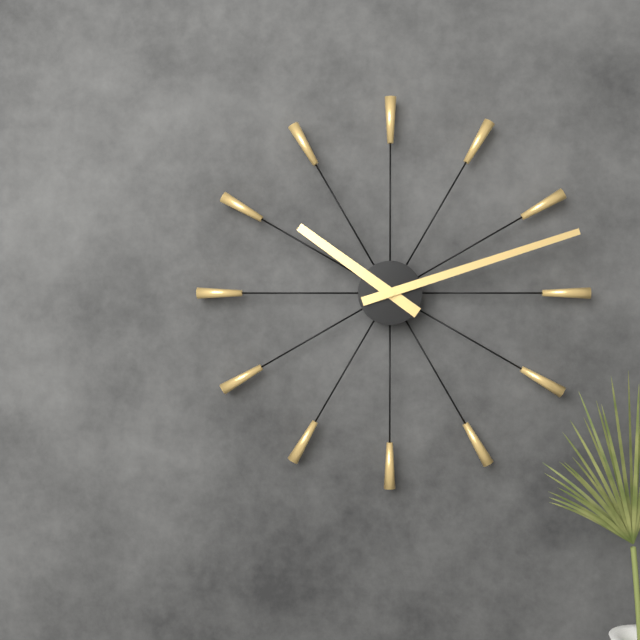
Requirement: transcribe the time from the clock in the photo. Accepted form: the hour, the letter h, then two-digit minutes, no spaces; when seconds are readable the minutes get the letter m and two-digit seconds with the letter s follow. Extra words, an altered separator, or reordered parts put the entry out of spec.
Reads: 10h12
